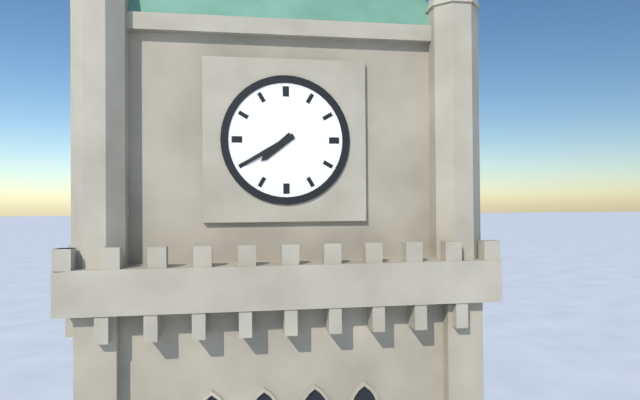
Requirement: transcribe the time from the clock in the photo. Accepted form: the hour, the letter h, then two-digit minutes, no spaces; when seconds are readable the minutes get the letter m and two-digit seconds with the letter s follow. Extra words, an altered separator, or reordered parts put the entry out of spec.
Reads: 7h40
